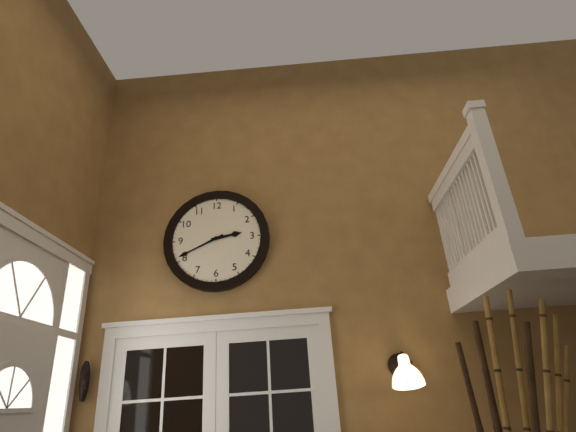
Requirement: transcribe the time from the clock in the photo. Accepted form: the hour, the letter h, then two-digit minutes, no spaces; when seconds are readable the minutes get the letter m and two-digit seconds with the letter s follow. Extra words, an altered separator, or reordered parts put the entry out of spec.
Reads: 2h41
